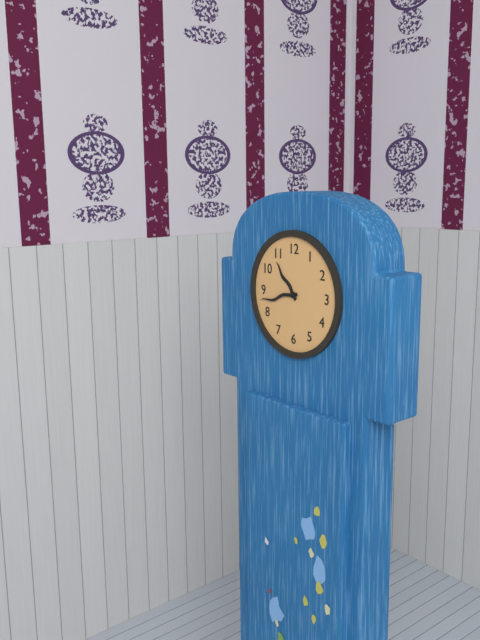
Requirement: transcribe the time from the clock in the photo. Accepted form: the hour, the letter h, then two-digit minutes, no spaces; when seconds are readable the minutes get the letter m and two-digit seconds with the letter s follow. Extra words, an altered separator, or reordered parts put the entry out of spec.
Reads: 10h43
